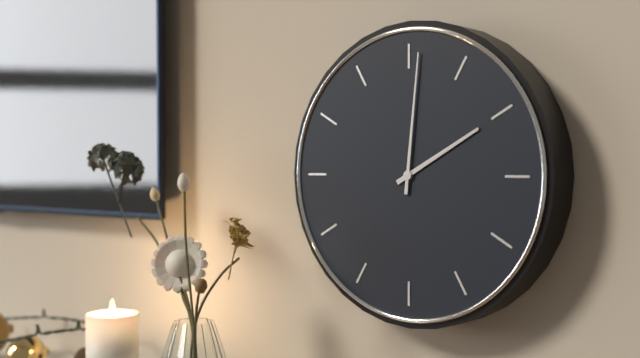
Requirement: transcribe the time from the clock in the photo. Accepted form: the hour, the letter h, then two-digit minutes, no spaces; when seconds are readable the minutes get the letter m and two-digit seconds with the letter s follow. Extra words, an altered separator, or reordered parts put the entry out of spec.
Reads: 2h01
